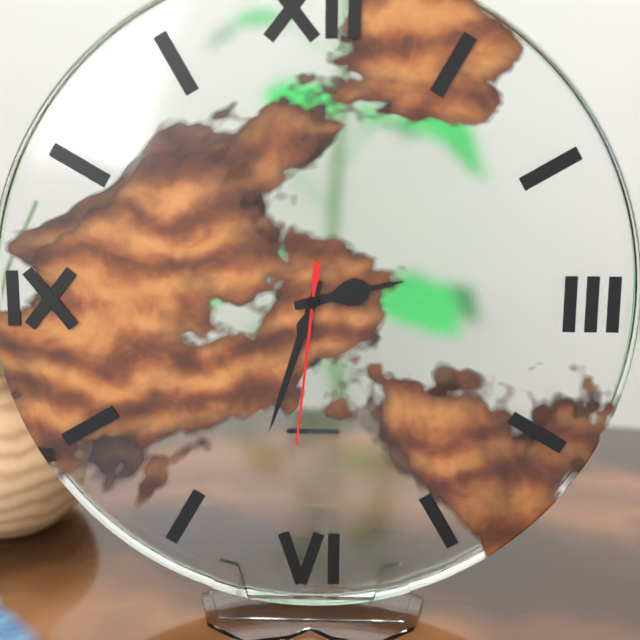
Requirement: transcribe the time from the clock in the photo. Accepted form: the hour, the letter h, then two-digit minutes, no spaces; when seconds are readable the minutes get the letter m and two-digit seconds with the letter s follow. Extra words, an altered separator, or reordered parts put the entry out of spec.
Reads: 2h33m31s
